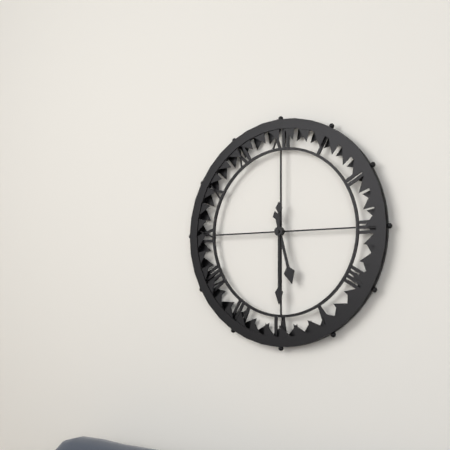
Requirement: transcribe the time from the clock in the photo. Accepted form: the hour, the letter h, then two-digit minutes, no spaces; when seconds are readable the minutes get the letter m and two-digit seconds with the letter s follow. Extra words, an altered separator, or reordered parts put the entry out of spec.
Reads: 5h30
